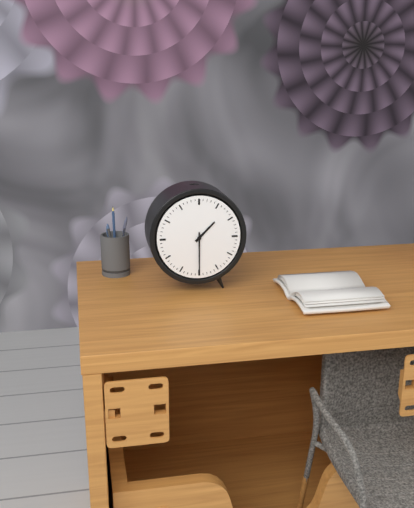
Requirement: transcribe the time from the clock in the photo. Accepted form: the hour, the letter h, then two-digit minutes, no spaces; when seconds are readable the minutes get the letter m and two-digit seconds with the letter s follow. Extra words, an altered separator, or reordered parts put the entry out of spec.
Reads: 1h30
